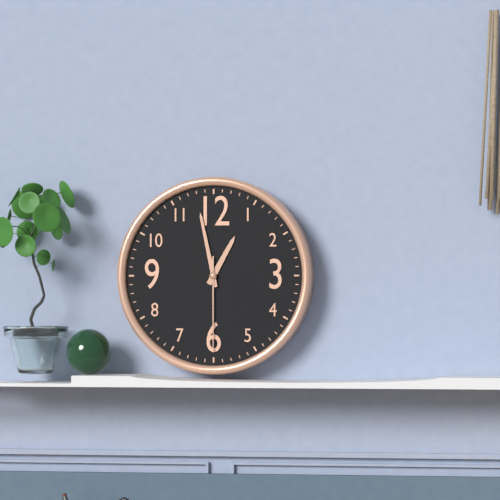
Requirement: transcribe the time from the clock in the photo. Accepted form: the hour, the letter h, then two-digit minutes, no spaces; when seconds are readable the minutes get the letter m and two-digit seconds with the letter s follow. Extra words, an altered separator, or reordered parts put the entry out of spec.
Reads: 12h58m30s
